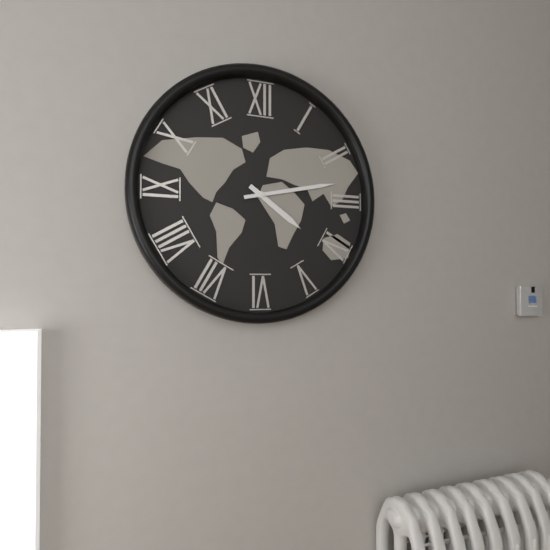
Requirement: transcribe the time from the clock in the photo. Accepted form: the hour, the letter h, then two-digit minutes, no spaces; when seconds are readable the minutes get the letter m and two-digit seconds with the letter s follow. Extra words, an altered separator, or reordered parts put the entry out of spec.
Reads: 4h13
